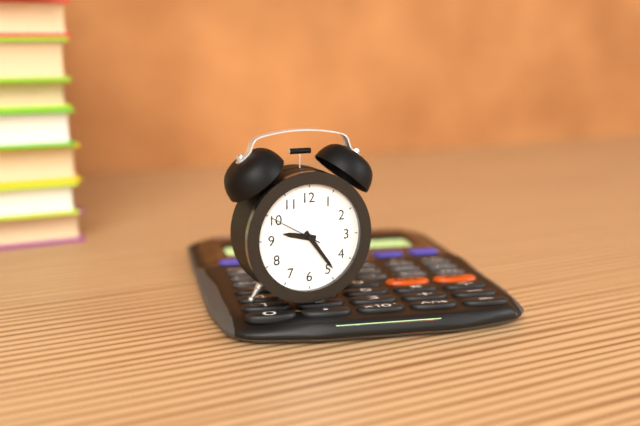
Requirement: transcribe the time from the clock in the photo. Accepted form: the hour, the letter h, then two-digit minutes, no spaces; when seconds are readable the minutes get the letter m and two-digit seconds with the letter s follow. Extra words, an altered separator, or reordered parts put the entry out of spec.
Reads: 9h24m50s
